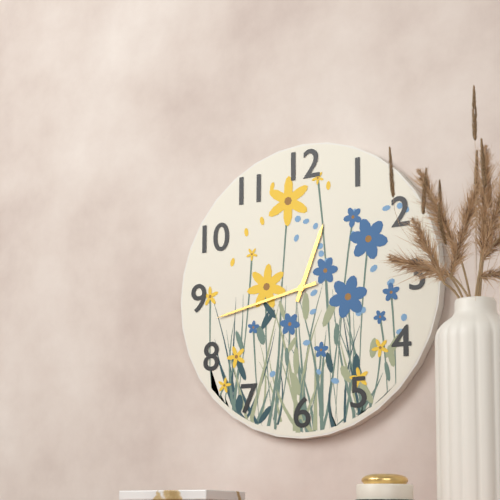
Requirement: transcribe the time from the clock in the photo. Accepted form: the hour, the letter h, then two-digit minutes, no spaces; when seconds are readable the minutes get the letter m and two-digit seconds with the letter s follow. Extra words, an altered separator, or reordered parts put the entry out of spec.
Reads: 12h43
